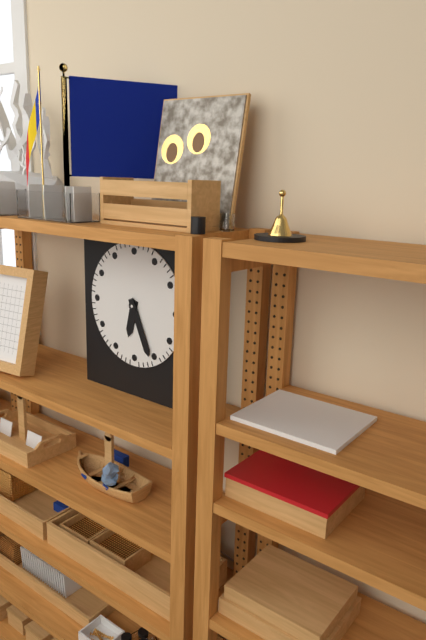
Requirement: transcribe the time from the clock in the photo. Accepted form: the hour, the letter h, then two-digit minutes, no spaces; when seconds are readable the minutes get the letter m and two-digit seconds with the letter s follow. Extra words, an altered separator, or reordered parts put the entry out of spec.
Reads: 6h26
